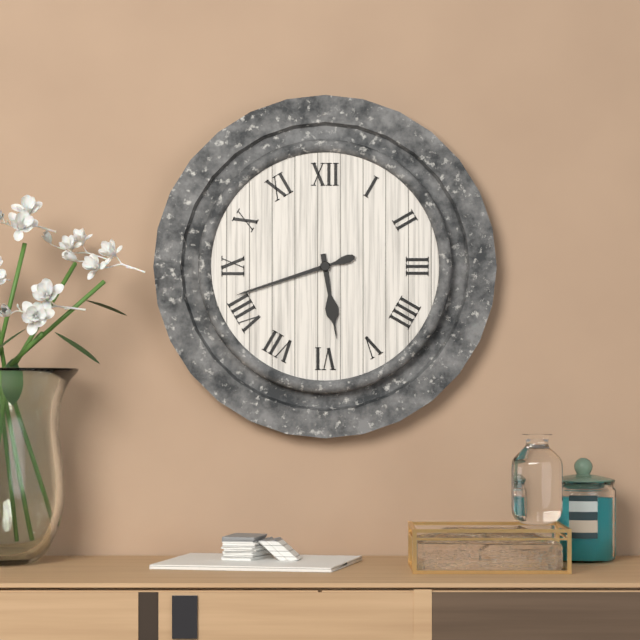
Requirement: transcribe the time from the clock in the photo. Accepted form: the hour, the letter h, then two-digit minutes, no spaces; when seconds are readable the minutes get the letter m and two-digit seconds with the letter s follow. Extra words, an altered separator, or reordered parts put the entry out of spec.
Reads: 5h42
